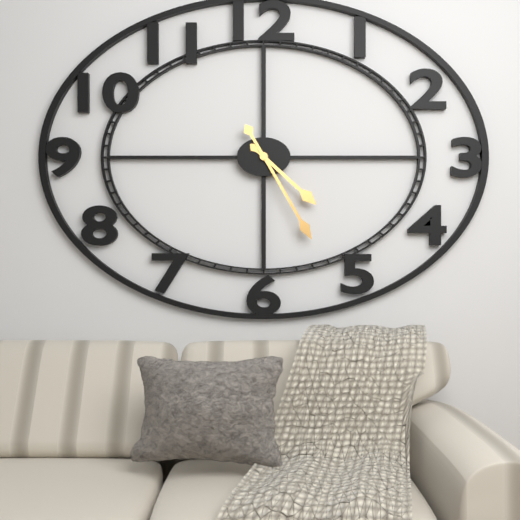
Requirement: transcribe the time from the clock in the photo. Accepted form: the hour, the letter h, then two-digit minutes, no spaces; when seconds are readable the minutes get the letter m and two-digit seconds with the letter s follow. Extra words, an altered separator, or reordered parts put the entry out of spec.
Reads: 4h25
